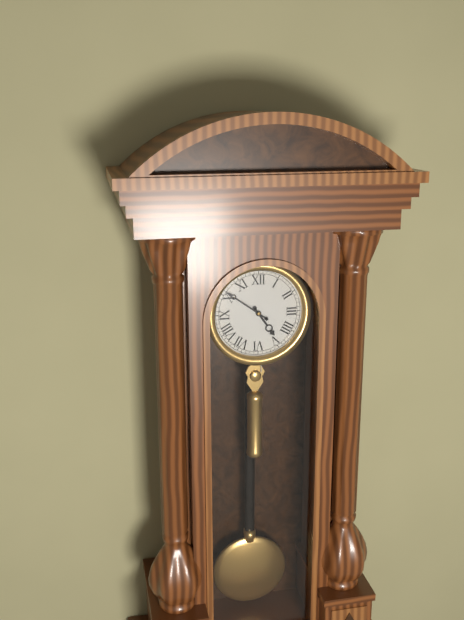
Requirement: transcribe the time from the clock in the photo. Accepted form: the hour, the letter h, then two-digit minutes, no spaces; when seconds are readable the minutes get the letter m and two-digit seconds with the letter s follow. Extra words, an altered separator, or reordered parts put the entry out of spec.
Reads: 4h51
